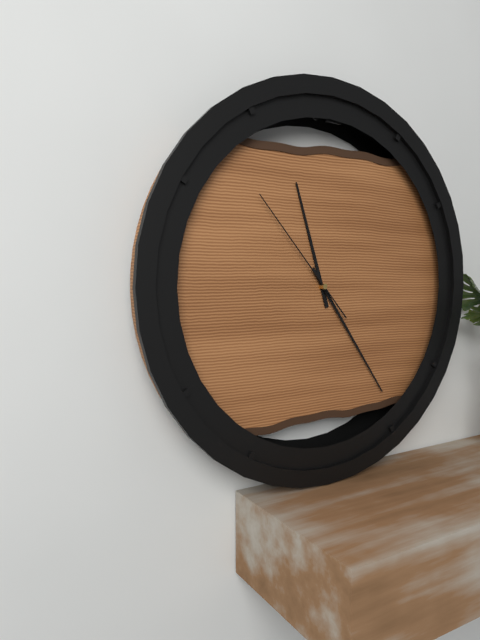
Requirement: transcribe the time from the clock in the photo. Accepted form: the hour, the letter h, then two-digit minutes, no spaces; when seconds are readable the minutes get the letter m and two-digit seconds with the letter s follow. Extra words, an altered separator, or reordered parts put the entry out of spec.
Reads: 11h24m53s
